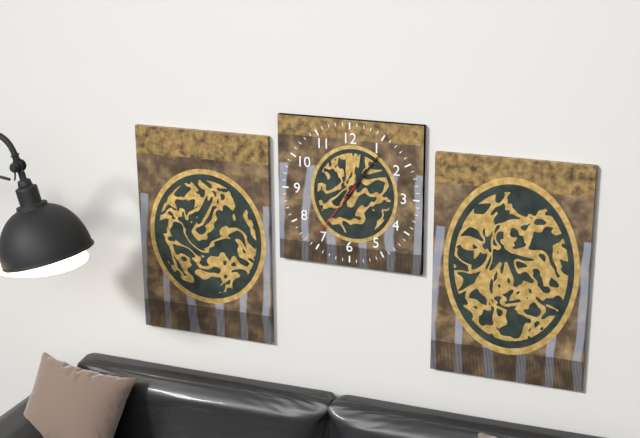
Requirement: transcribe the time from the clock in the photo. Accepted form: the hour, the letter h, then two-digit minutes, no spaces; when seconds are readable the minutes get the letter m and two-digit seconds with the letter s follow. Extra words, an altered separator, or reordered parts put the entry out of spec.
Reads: 1h06m36s
